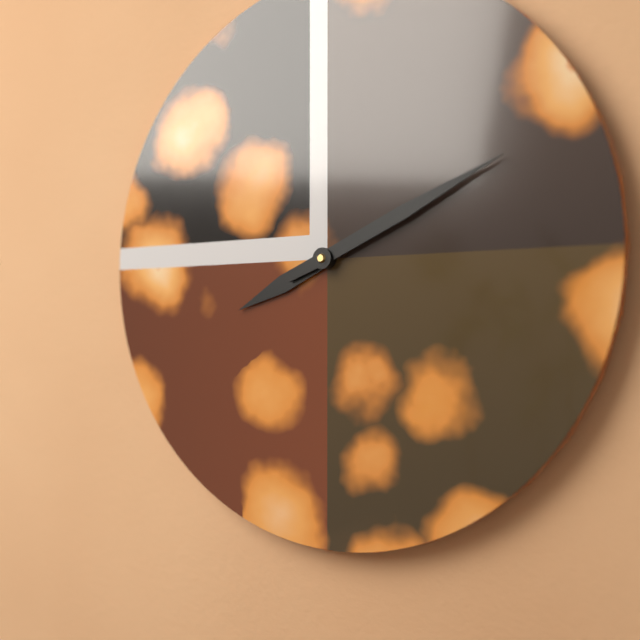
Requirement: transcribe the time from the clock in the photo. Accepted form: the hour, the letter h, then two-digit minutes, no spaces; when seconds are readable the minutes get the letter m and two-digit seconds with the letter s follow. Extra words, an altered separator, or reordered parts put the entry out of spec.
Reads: 8h11
